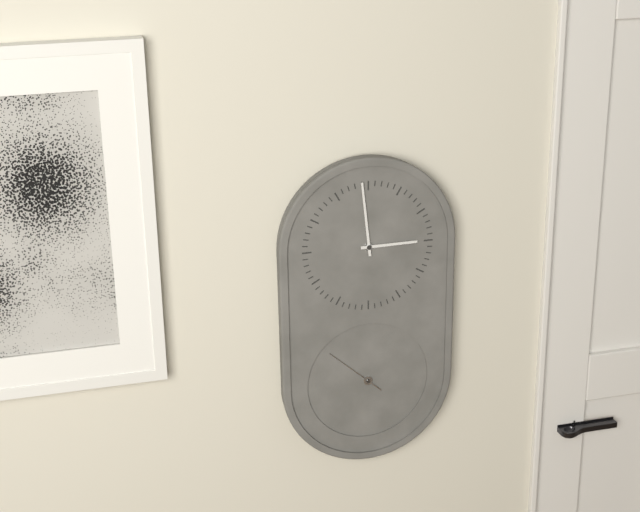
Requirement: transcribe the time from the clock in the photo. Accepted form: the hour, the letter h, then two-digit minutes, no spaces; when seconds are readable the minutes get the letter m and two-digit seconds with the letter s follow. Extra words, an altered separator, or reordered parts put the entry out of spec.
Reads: 2h59m52s
